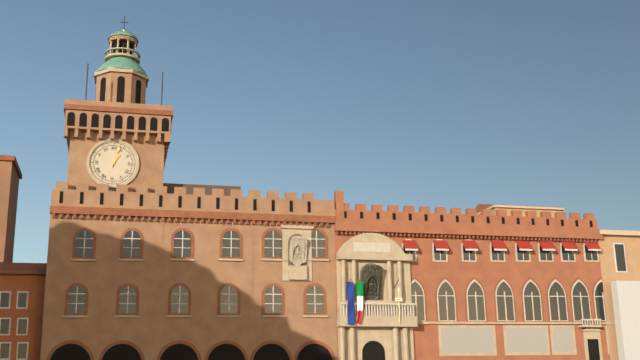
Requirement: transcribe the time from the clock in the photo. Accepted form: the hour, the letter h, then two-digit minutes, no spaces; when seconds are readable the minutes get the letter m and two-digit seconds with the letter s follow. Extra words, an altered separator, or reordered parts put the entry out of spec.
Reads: 1h03
